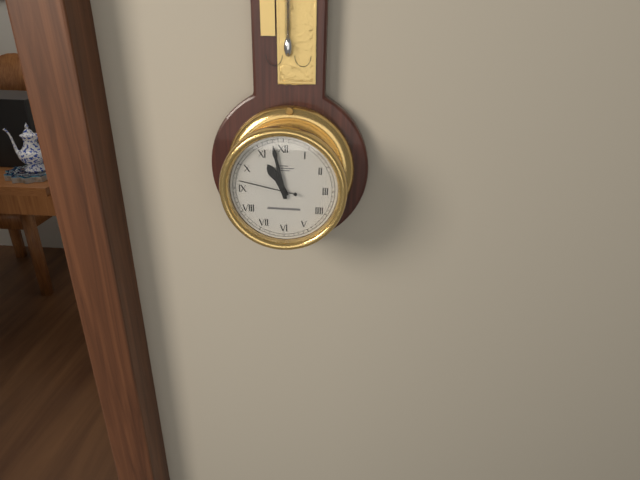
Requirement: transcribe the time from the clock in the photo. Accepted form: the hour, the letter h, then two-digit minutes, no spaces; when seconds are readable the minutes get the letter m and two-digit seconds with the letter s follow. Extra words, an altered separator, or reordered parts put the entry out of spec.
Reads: 10h58m47s
